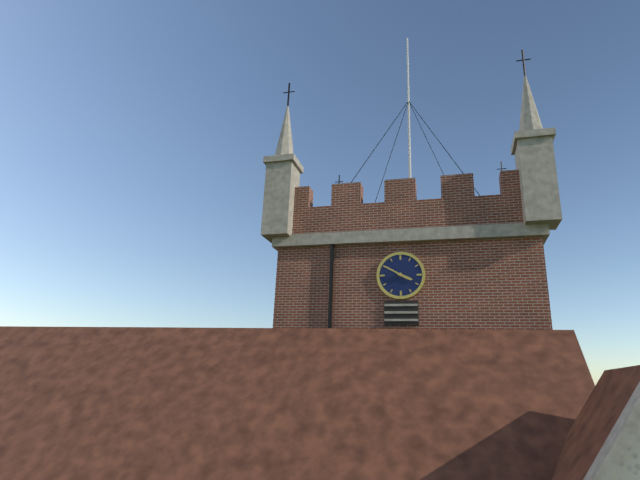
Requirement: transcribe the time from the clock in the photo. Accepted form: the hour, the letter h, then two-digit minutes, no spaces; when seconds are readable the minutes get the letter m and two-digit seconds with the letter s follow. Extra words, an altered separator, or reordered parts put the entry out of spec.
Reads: 3h50
